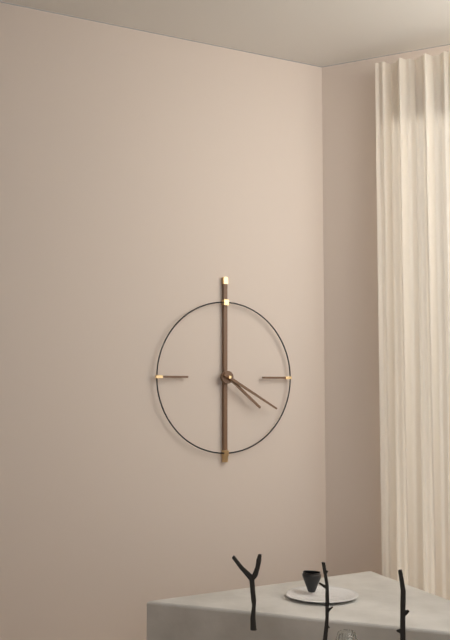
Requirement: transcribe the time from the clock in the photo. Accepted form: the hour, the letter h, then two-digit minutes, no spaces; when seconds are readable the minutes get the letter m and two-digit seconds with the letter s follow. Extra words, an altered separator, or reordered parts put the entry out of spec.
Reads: 4h20
